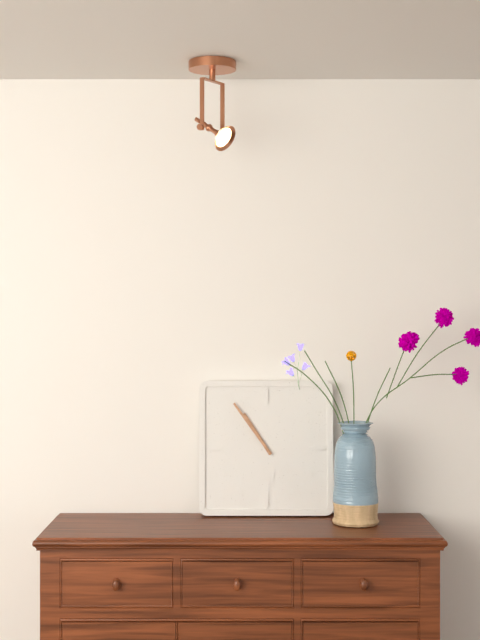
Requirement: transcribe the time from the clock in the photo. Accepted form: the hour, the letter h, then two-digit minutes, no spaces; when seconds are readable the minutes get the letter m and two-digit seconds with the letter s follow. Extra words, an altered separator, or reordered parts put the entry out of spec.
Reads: 10h54
